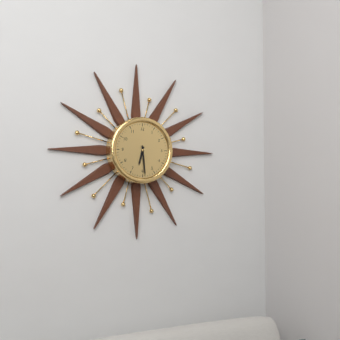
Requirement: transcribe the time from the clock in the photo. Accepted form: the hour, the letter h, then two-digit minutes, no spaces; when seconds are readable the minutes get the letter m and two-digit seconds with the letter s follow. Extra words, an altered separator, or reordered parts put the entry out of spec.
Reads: 6h29
